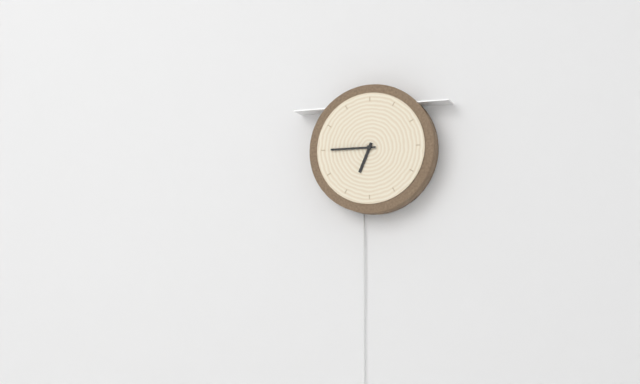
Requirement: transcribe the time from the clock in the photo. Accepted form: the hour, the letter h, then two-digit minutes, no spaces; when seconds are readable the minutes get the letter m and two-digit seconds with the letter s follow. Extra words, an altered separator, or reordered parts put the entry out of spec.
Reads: 6h45
